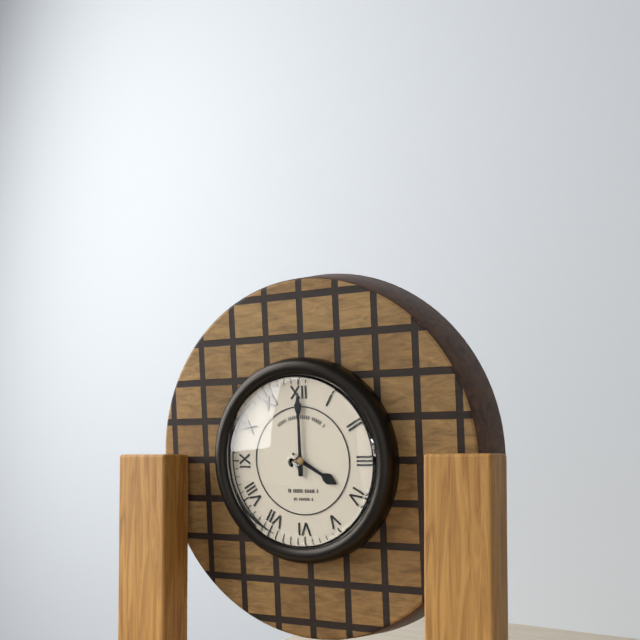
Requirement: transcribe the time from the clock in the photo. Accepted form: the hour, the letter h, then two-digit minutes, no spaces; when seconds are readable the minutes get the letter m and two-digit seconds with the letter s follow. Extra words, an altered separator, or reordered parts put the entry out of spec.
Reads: 4h00
